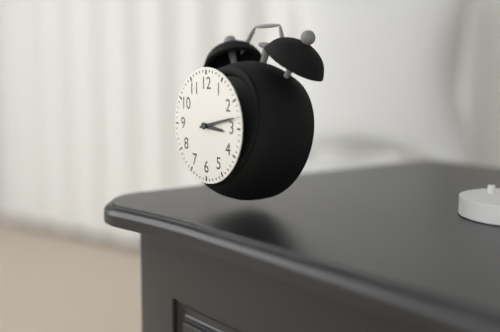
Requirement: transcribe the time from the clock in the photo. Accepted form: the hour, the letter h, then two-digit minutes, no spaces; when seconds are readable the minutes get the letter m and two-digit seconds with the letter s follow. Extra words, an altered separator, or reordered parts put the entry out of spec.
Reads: 3h13
